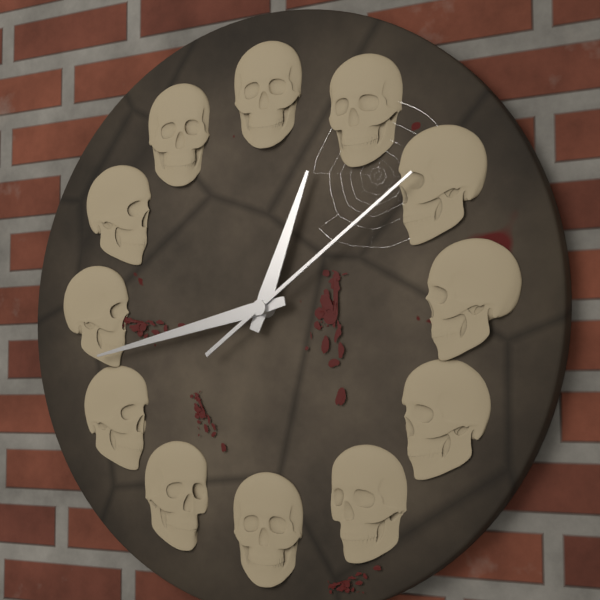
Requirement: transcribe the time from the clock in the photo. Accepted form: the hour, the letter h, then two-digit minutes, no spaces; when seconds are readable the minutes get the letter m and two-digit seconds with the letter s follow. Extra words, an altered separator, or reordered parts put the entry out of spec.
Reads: 12h43m09s
